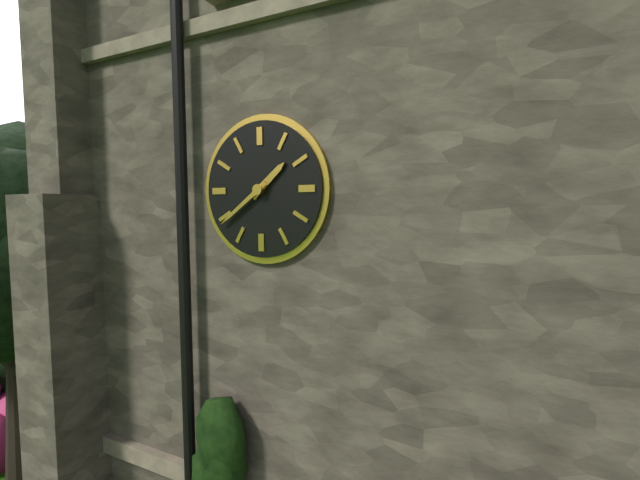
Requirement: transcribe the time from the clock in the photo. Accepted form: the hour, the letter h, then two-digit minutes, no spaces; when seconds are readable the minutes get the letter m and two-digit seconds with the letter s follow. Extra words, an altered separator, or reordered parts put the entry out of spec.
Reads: 1h39
